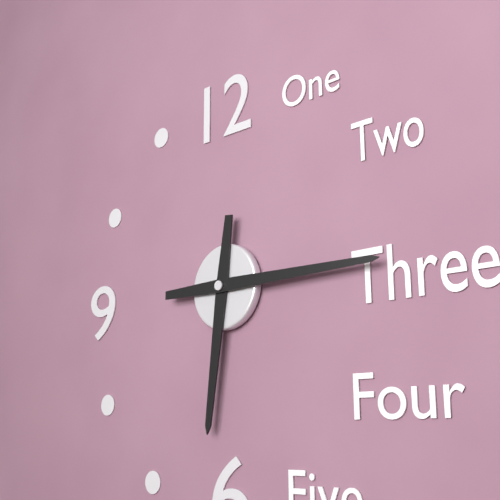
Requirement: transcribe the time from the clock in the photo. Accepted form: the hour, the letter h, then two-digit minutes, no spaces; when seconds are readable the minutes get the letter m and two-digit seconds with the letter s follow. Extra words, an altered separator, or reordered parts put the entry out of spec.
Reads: 6h15
